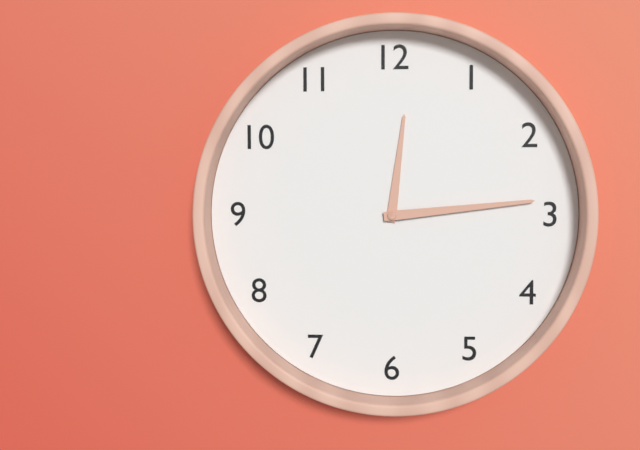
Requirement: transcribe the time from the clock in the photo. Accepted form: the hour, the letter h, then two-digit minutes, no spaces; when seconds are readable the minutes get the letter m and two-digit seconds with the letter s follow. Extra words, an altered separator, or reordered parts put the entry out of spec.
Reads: 12h14
